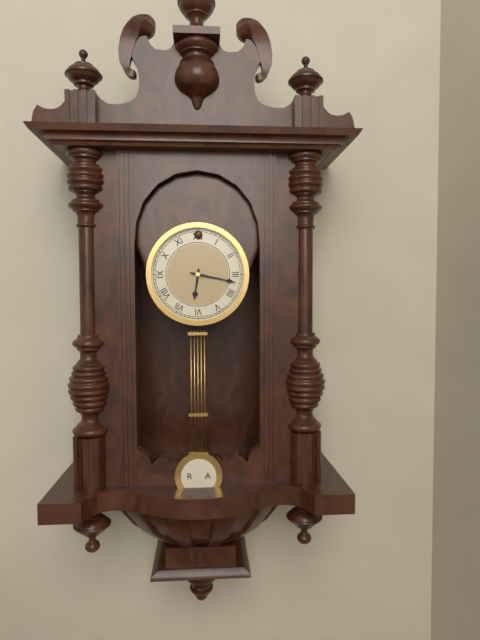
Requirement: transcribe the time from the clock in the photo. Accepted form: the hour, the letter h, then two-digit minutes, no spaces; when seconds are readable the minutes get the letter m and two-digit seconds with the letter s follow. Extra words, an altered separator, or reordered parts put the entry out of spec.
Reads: 6h17
